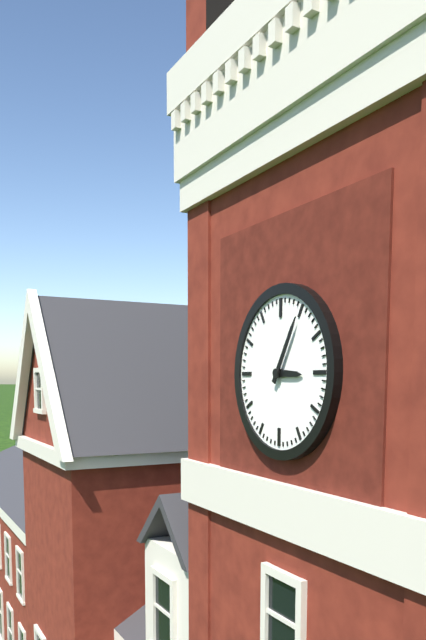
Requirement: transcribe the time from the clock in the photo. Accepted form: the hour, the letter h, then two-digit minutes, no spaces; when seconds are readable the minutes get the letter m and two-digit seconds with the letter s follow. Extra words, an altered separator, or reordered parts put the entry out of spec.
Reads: 3h05
